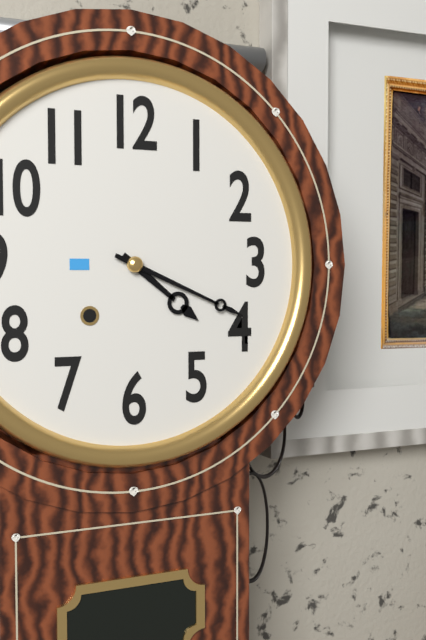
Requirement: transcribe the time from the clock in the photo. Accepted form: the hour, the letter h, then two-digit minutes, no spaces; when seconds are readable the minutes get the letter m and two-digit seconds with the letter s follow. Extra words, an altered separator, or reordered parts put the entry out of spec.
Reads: 4h19
